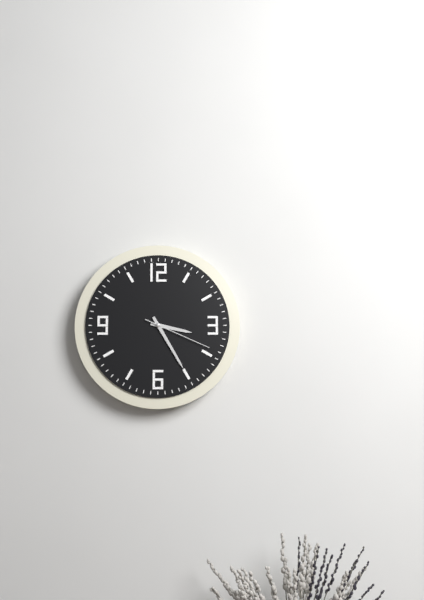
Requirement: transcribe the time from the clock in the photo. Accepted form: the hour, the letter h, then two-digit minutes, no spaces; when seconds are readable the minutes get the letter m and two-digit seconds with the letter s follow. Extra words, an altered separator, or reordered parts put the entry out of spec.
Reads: 3h25m19s
